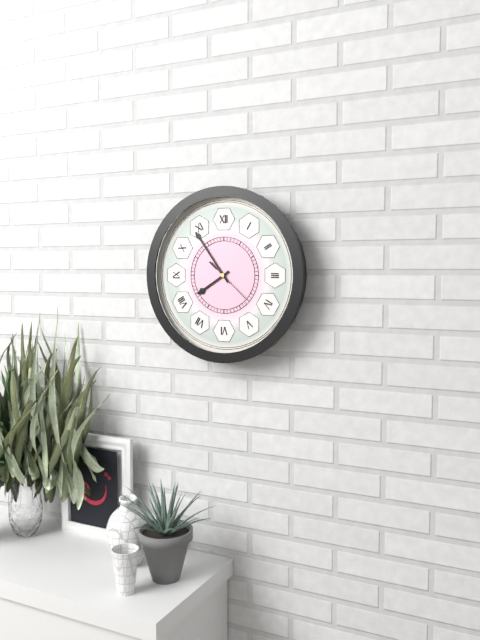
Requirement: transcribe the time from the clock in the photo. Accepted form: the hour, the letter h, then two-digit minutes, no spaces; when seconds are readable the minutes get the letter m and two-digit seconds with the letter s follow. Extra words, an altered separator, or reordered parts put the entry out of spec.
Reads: 7h54
